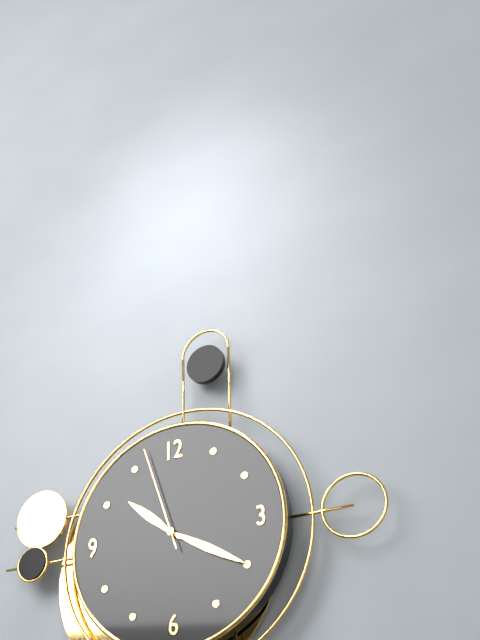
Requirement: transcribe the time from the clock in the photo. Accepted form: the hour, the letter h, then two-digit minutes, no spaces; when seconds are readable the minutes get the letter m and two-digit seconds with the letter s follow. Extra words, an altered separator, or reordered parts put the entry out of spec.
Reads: 10h20m57s
